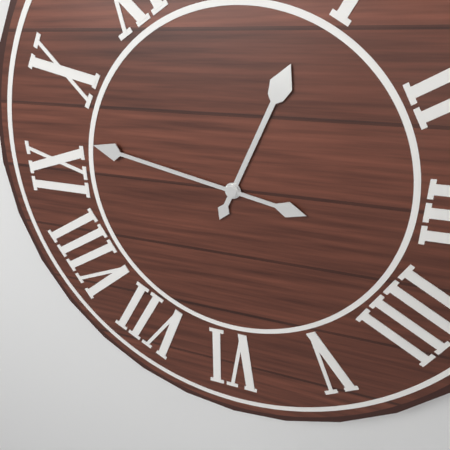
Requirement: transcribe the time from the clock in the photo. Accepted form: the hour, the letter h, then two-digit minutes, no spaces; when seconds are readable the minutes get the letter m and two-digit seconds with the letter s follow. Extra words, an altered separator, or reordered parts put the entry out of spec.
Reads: 12h47
